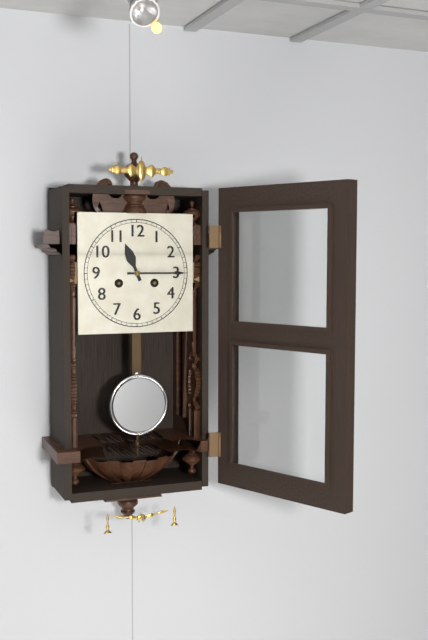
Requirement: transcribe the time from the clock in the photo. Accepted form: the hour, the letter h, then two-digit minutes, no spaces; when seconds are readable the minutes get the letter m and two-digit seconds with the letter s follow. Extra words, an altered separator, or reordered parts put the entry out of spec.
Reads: 11h15
